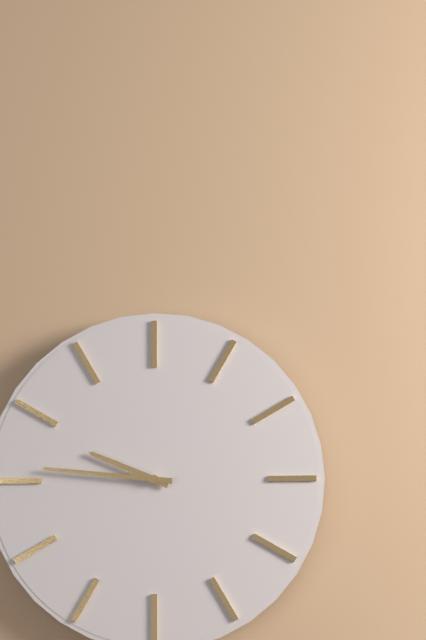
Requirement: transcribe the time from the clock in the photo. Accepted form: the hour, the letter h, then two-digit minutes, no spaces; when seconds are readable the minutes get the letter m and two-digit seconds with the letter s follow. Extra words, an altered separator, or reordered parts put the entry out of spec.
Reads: 9h46
